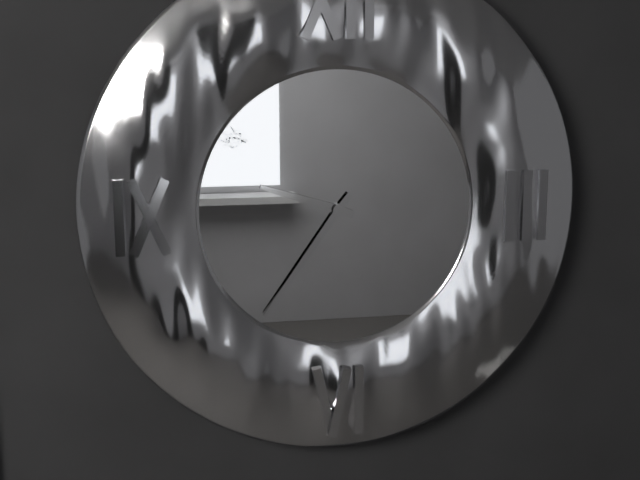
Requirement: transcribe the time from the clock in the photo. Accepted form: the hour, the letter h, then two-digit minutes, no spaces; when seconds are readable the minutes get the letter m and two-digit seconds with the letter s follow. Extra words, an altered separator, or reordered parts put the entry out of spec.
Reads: 9h36
